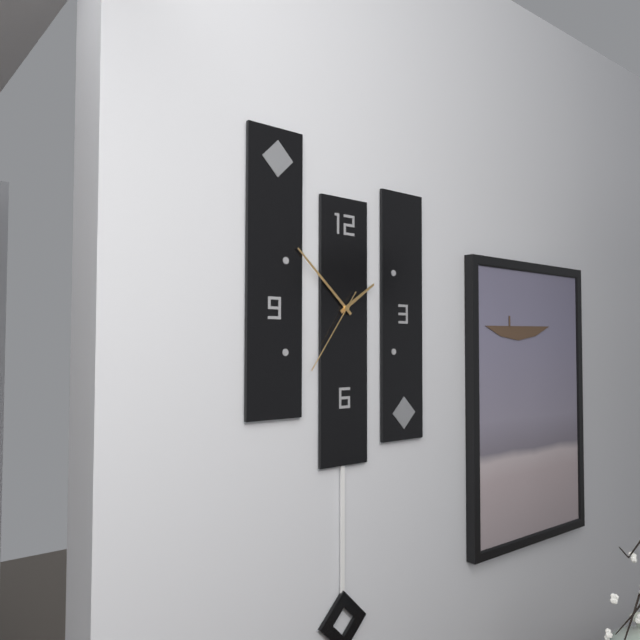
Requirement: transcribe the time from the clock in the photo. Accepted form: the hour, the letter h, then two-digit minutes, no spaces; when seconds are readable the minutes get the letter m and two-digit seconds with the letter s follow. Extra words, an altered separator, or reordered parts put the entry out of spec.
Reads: 1h52m36s
